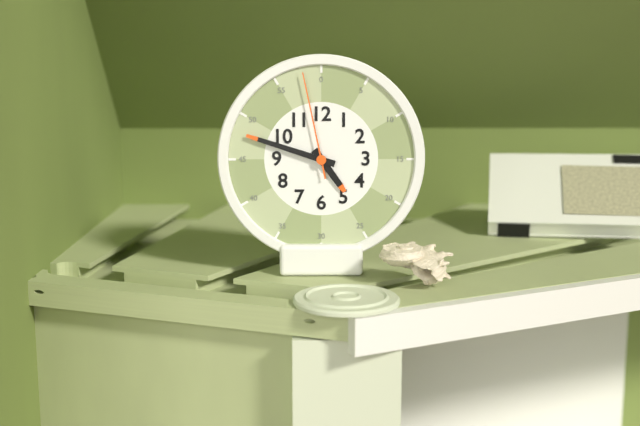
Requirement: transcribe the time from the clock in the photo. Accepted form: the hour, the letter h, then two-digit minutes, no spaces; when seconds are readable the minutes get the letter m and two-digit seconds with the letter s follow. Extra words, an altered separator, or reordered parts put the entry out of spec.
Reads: 4h48m58s
